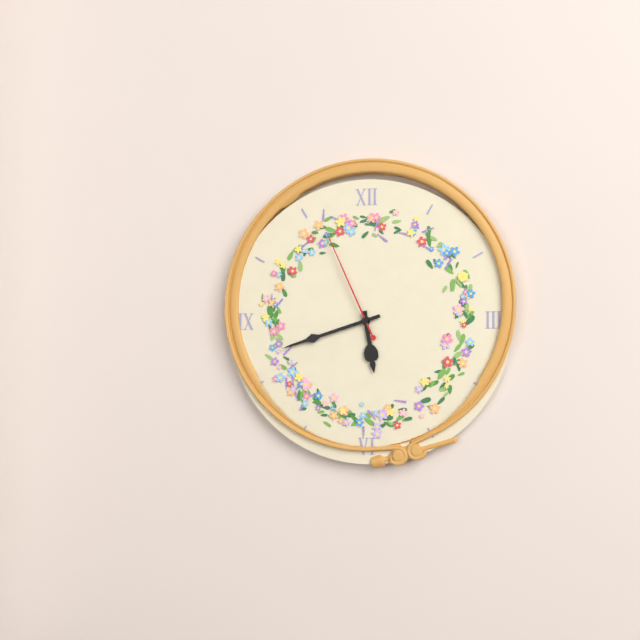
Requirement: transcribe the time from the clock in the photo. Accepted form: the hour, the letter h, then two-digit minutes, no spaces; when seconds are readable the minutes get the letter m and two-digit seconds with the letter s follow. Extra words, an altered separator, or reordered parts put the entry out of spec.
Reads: 5h42m56s
